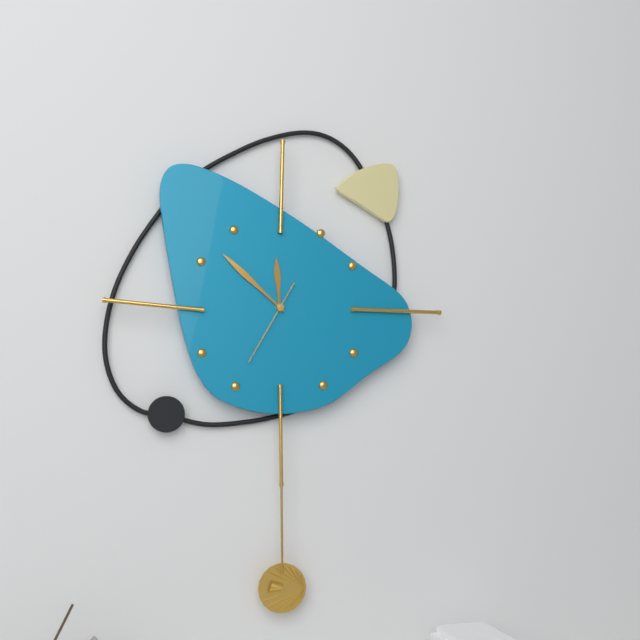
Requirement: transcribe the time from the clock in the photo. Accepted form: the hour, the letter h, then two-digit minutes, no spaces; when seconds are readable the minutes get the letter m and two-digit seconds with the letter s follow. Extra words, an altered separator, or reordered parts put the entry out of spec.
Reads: 11h52m35s
